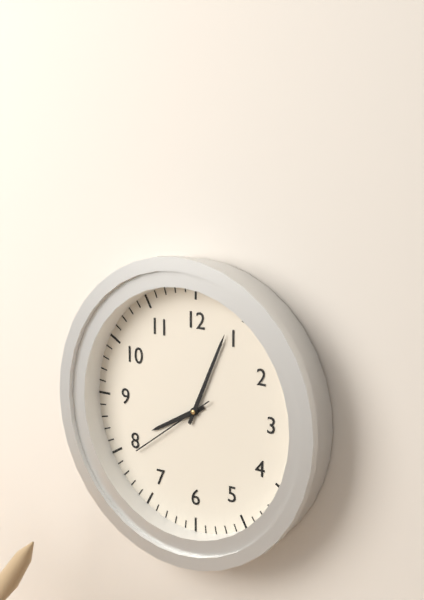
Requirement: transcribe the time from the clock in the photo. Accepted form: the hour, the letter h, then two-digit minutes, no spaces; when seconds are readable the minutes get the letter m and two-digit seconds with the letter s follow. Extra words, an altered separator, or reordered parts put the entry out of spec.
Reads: 8h04m39s
